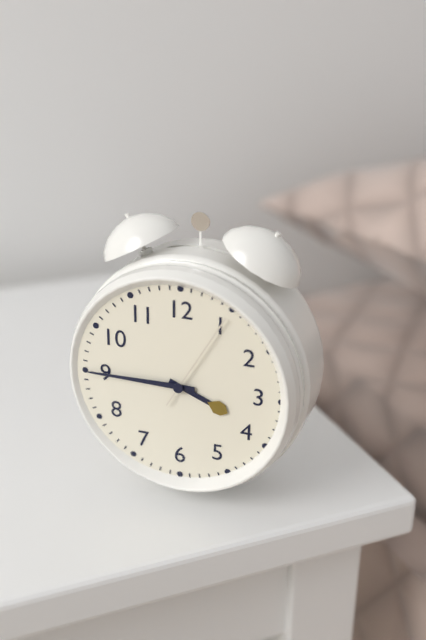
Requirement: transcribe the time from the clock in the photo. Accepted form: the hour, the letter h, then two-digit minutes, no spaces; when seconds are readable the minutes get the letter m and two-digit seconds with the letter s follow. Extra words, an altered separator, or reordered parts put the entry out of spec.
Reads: 3h45m05s
